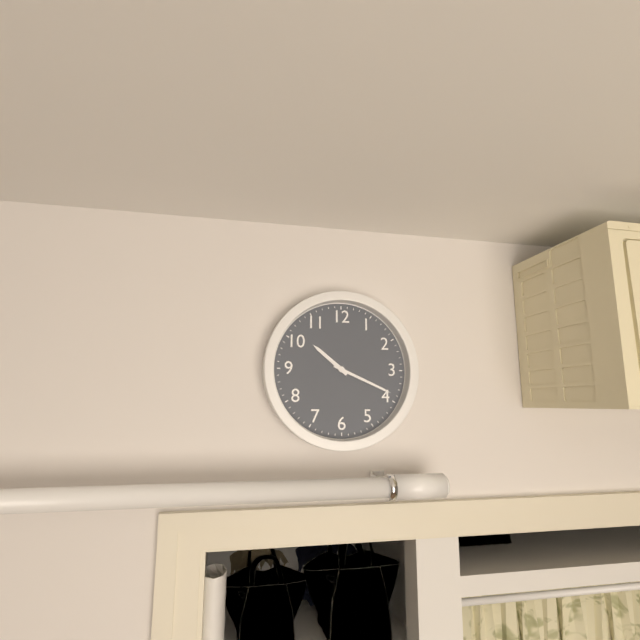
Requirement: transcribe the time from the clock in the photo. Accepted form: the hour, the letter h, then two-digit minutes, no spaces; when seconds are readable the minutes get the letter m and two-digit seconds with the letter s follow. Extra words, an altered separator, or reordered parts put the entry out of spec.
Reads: 10h19
